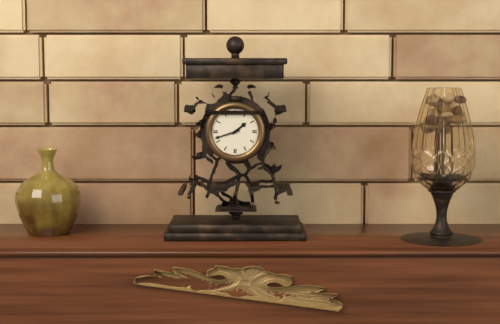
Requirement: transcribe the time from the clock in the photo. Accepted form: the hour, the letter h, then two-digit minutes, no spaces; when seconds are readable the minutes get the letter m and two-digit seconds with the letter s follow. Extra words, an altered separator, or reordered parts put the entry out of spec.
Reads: 1h42
